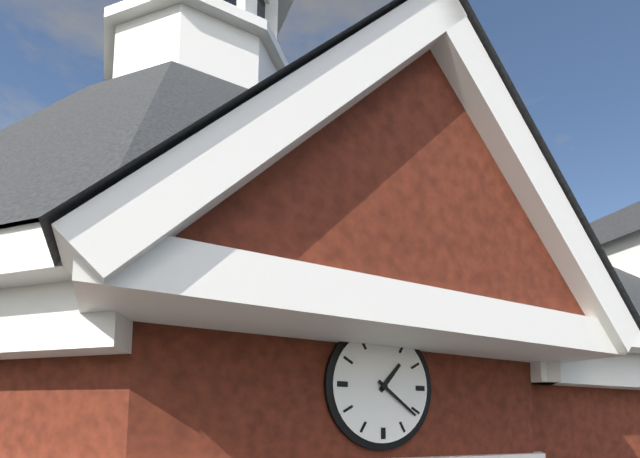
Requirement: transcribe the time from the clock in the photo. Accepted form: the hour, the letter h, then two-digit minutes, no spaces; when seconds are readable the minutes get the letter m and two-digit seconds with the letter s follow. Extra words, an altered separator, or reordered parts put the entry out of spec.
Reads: 1h21
